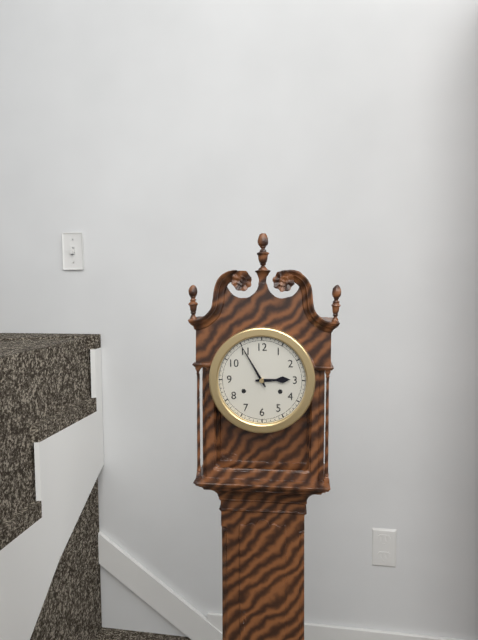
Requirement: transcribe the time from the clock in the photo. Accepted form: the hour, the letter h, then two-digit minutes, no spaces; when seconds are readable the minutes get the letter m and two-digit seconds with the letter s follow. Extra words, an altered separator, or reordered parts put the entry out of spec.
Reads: 2h55
